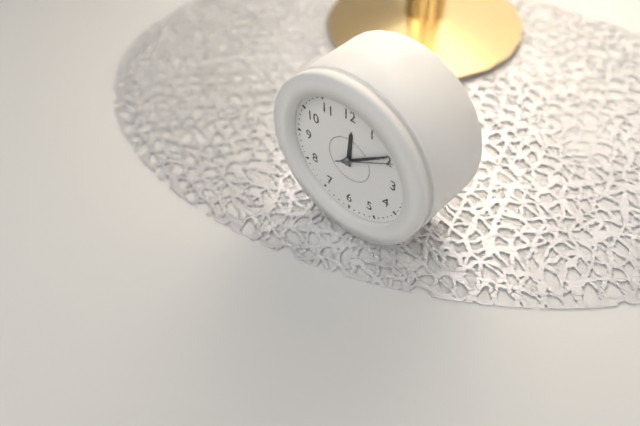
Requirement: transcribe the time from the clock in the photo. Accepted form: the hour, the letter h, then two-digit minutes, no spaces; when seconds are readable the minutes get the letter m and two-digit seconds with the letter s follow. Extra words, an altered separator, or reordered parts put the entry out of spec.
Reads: 12h09m10s
